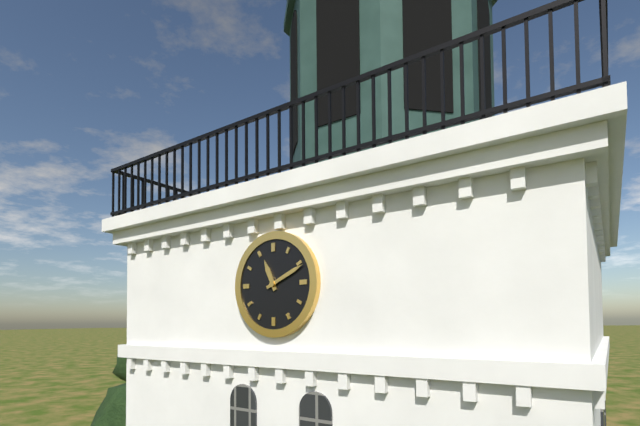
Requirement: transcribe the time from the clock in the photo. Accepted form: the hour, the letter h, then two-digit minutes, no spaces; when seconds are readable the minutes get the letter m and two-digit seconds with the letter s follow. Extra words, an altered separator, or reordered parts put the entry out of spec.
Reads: 11h11
